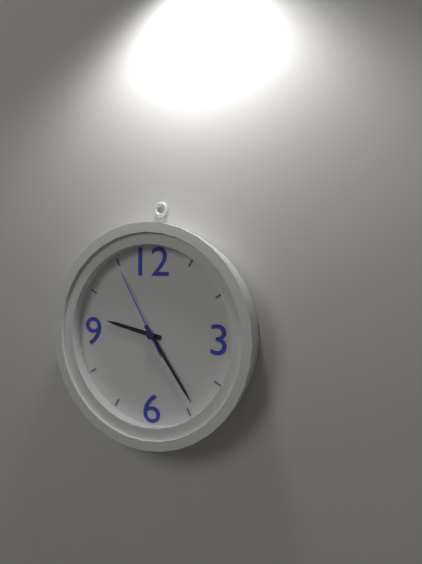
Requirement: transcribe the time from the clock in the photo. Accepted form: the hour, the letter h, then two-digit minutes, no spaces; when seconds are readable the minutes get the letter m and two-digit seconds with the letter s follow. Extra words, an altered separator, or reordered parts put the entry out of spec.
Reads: 9h24m55s
